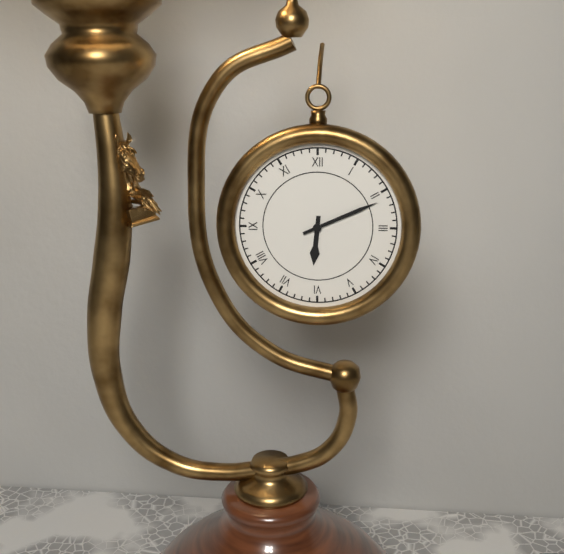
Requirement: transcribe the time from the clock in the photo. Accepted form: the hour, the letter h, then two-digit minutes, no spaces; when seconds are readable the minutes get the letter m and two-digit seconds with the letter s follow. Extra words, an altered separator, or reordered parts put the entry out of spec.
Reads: 6h11
